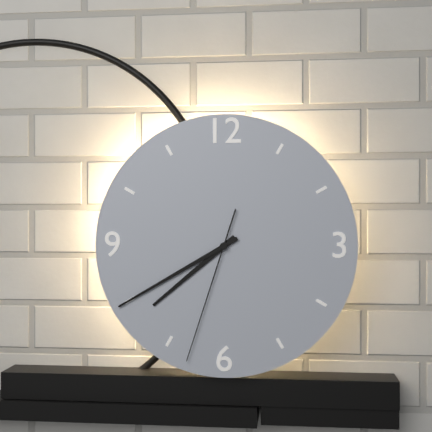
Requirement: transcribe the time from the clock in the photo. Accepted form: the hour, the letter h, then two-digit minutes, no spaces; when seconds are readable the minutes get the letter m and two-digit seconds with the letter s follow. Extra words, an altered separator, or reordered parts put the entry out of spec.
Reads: 7h40m33s
